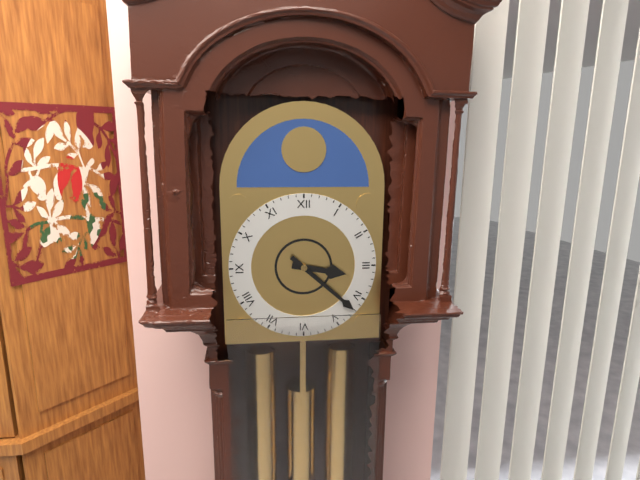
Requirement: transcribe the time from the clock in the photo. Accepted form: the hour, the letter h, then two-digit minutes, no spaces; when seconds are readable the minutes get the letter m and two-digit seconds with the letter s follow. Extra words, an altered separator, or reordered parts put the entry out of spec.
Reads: 3h22
